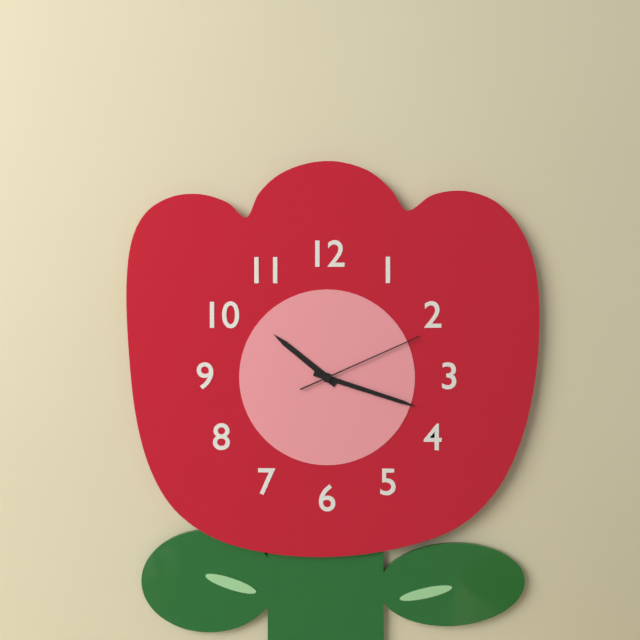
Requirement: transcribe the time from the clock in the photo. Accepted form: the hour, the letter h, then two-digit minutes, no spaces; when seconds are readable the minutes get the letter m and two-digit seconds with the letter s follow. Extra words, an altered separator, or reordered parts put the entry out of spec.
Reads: 10h18m11s
